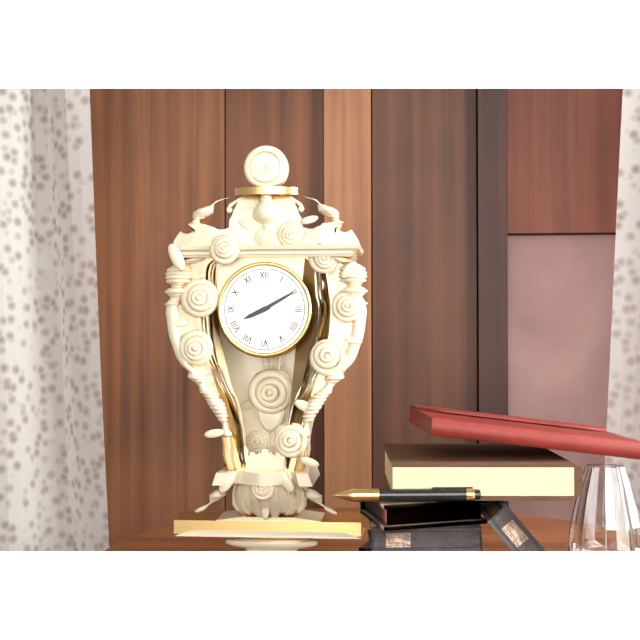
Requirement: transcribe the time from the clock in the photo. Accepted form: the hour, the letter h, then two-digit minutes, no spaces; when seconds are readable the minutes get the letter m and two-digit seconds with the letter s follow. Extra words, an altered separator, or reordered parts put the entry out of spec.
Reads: 8h10
